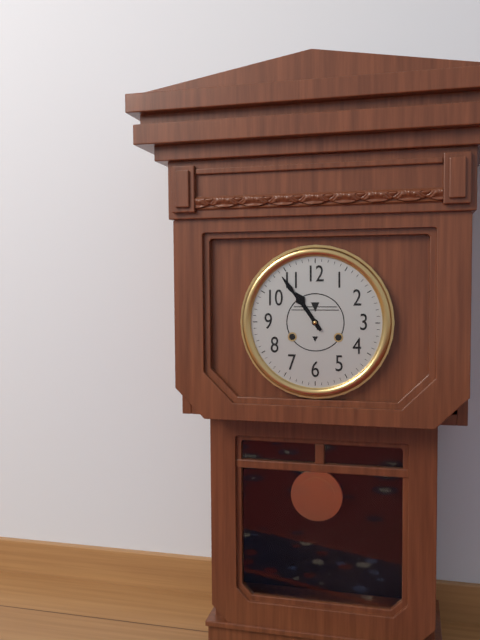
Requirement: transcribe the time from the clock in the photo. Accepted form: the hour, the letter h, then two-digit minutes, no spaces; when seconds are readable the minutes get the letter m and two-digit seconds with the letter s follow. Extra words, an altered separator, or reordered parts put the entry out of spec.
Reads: 10h54
